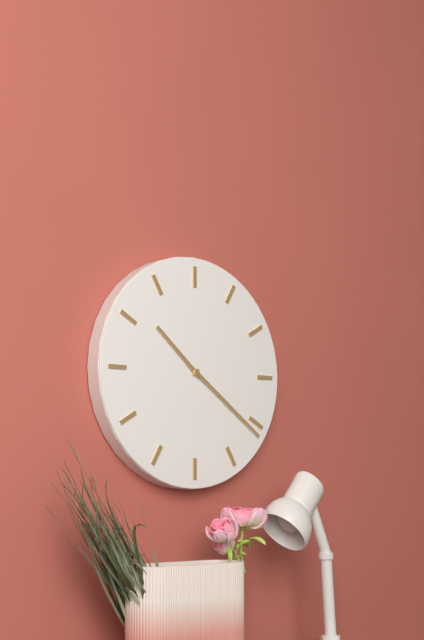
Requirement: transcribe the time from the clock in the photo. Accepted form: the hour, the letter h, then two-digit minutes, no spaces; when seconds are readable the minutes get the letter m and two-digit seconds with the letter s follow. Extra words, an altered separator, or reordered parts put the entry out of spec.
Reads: 10h21
